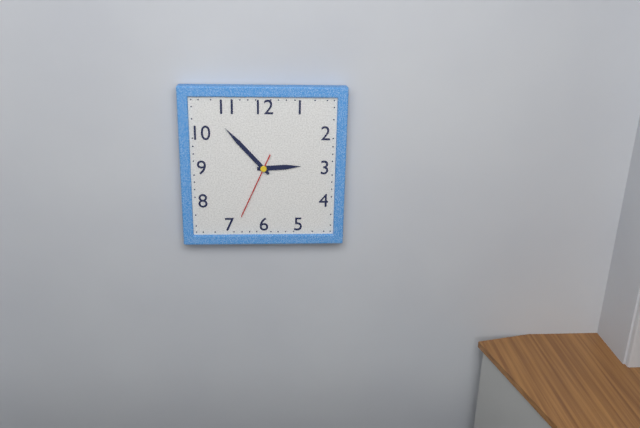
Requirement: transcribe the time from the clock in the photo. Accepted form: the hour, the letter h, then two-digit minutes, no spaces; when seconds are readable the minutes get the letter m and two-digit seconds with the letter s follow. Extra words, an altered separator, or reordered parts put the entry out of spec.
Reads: 2h53m34s
